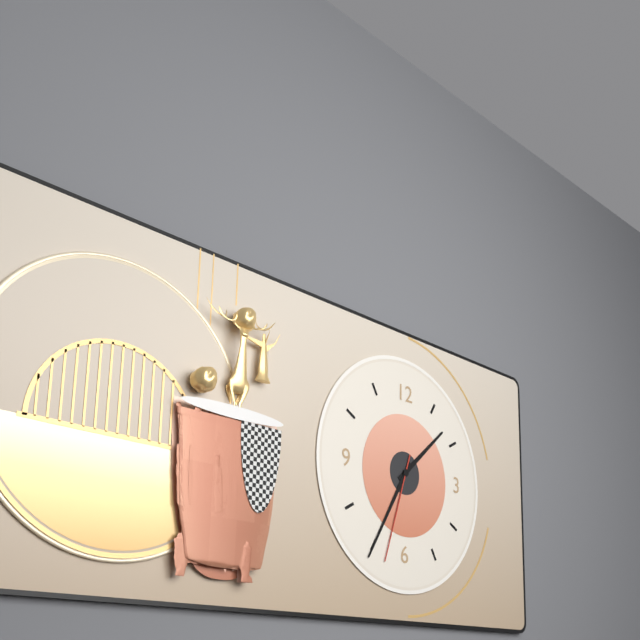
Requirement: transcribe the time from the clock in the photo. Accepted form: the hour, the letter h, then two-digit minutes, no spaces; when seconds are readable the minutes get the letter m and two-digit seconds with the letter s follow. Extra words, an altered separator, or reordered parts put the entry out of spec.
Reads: 1h35m33s
